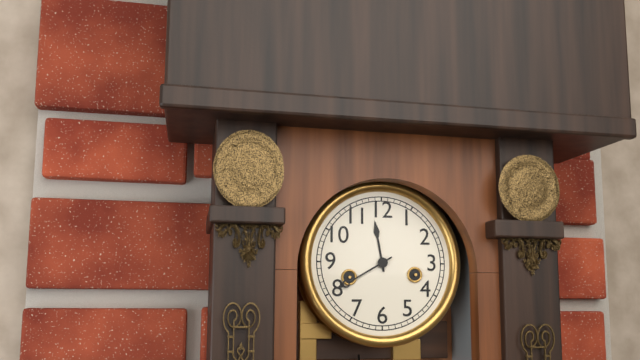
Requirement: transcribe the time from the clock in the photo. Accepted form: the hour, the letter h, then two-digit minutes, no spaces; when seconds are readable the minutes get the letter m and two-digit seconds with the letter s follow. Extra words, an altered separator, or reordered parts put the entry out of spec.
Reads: 11h40
